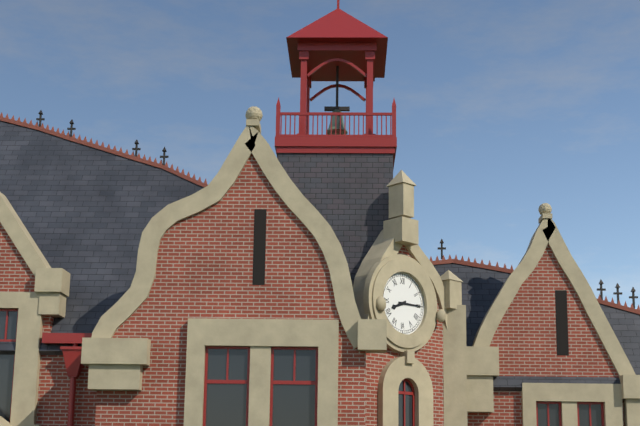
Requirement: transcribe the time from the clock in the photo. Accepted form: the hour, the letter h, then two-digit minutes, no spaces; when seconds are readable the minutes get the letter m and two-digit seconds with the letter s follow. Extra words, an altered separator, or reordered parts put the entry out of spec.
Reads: 8h15
